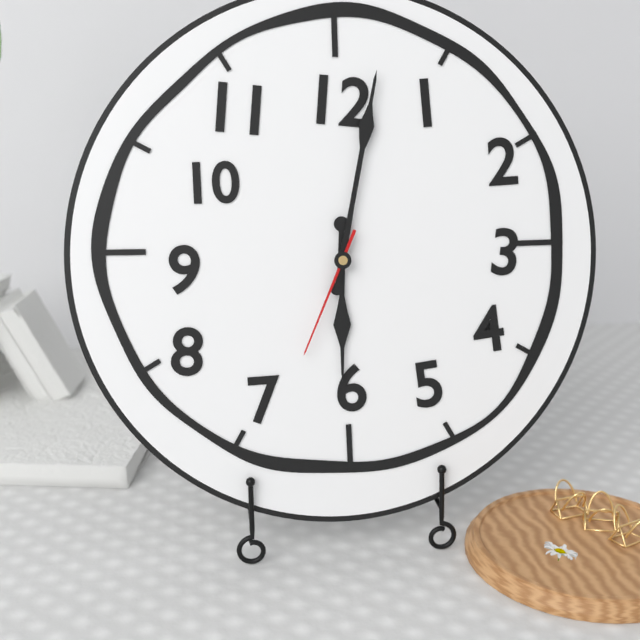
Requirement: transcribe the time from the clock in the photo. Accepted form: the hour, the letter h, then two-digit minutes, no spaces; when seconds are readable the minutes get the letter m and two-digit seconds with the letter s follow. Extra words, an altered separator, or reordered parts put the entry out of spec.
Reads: 6h02m34s
